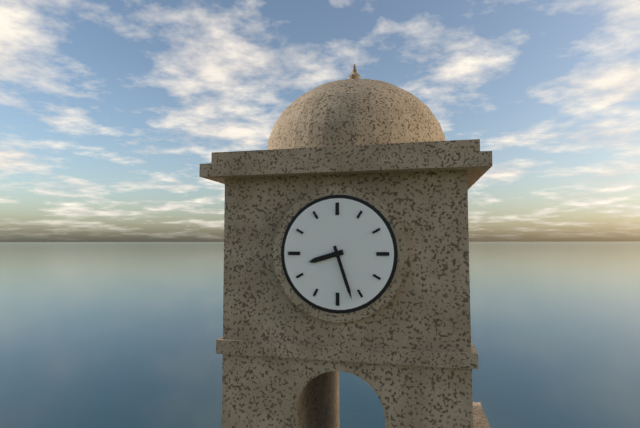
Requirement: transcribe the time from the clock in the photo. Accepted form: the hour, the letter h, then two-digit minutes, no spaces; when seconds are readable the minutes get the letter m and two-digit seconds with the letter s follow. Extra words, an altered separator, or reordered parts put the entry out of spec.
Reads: 8h27
